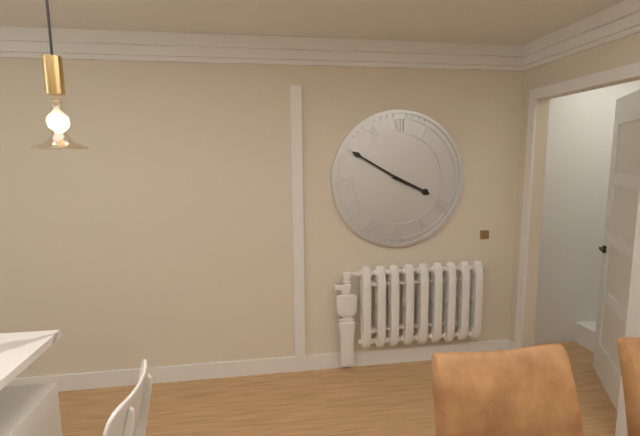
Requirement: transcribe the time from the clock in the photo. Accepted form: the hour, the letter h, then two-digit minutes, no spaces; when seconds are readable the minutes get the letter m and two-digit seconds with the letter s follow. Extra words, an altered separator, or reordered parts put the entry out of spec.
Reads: 3h50
